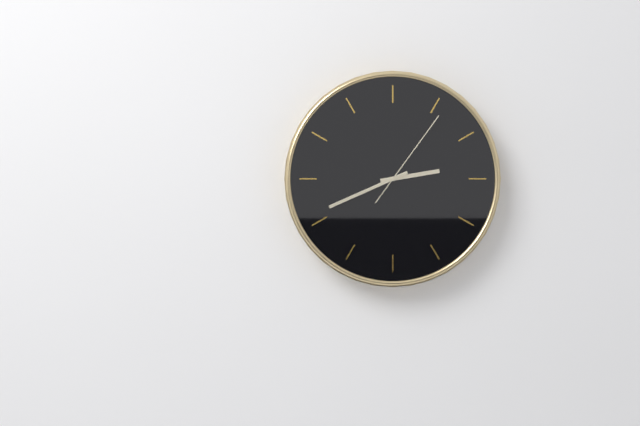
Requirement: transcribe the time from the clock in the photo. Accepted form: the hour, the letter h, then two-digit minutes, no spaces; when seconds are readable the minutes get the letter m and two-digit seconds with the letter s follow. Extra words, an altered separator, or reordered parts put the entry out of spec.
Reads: 2h41m06s
